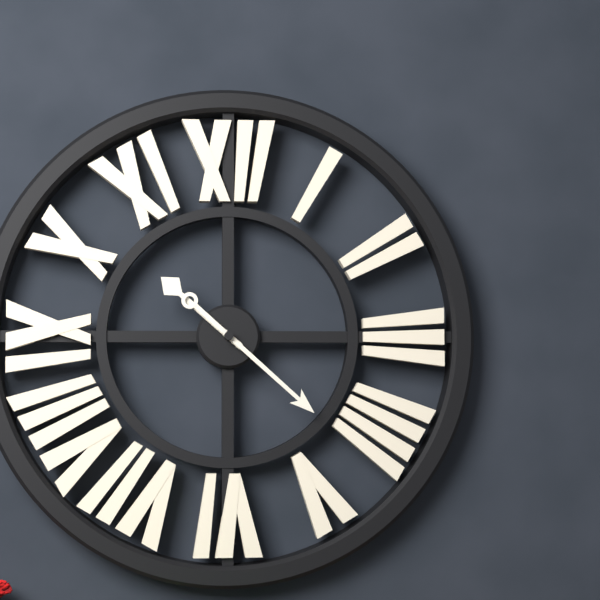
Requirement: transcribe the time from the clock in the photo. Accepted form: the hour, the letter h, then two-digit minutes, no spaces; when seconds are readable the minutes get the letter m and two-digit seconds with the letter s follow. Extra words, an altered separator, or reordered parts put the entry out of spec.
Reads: 10h22
